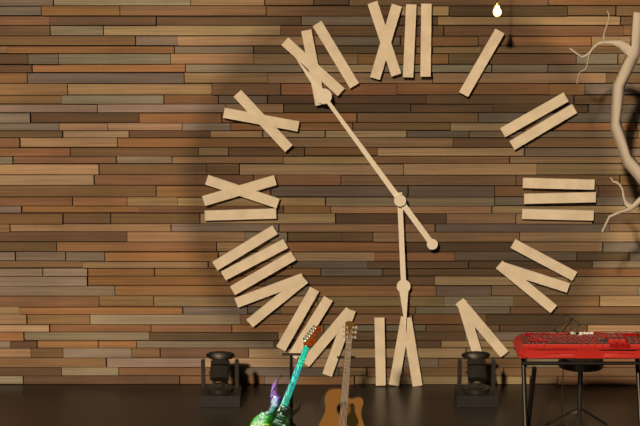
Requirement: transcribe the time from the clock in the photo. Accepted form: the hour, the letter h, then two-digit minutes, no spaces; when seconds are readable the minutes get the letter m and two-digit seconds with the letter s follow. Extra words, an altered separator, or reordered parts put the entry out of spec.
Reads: 5h54
